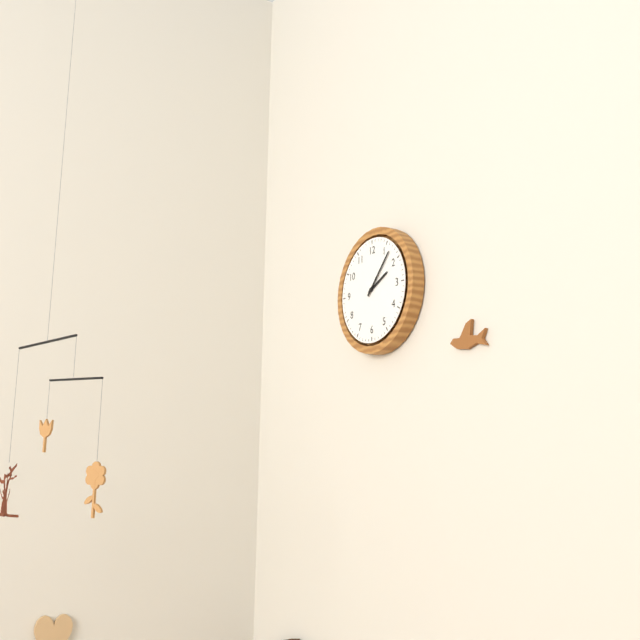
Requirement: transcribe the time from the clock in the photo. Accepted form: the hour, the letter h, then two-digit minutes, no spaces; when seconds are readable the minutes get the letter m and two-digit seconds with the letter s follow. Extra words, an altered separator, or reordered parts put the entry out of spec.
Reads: 2h07
